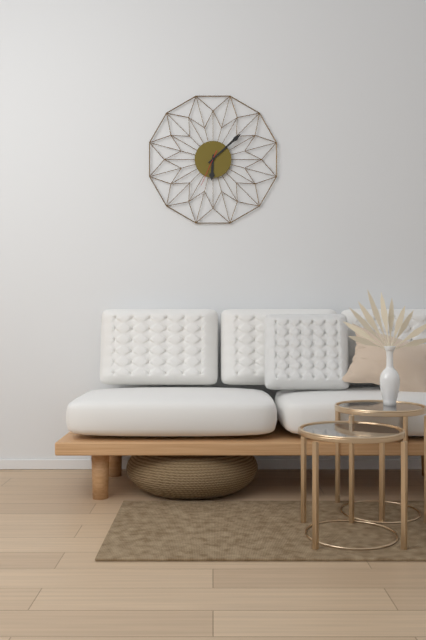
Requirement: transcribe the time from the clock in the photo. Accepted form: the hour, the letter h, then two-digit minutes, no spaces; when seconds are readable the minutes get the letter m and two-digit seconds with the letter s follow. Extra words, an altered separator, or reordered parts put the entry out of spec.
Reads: 6h08
